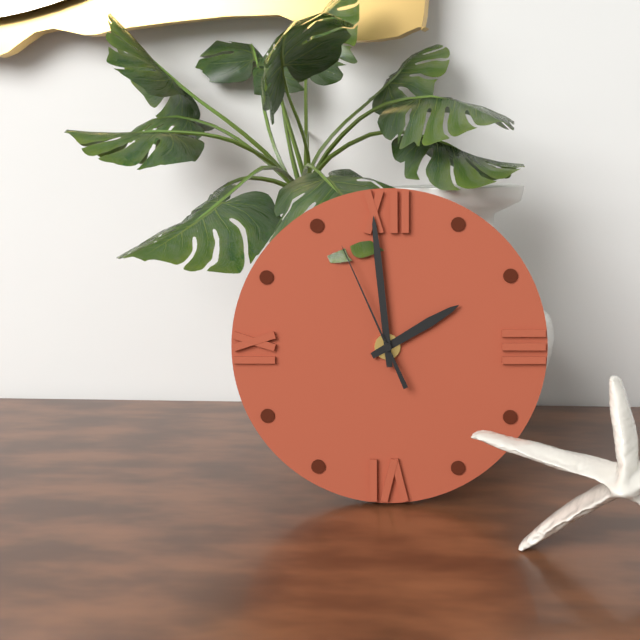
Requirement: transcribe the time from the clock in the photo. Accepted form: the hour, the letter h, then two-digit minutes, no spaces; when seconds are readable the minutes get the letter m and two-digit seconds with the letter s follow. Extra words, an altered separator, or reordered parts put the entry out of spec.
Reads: 1h59m56s
